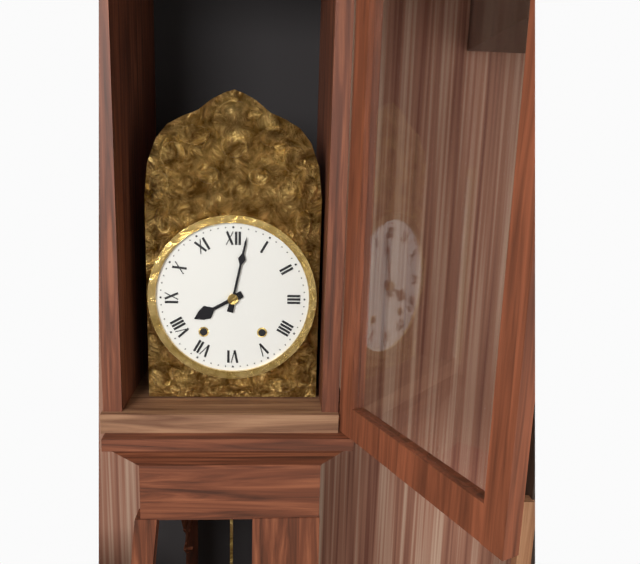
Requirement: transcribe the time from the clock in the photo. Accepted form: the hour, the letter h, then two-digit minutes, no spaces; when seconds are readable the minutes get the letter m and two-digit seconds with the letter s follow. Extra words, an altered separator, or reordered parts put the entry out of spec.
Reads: 8h02
